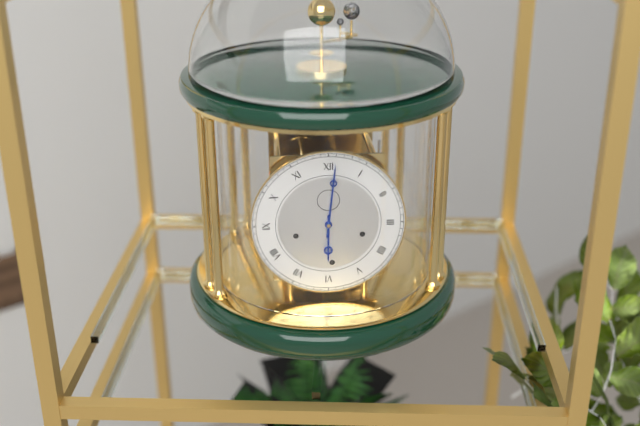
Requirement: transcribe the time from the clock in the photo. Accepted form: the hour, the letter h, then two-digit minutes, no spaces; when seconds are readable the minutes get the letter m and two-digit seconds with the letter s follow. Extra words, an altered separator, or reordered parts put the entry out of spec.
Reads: 6h01
